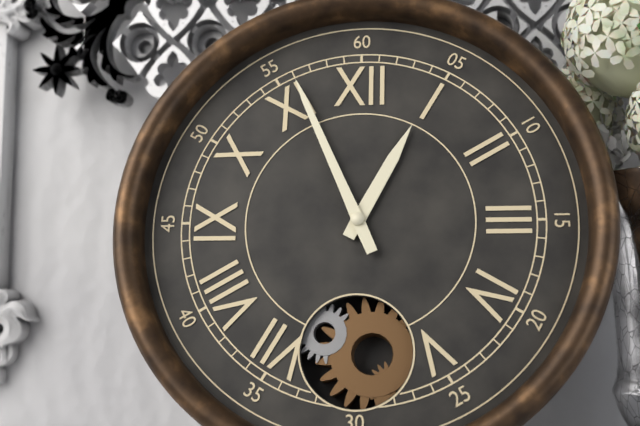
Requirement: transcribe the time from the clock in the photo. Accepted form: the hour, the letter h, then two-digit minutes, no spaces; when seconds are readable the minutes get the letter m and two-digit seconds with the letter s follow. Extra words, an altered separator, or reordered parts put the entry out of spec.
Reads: 12h56
